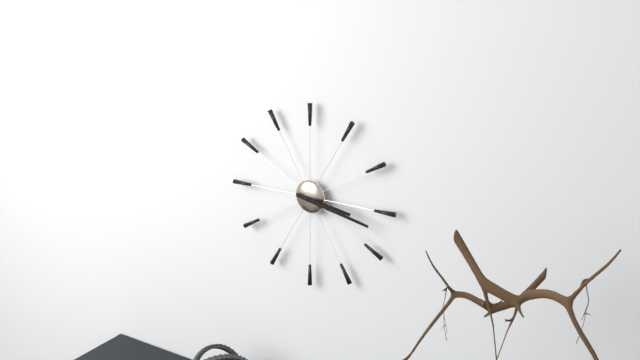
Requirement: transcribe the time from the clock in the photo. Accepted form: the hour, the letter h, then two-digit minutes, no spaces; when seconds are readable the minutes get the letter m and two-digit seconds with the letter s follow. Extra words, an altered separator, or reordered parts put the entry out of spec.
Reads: 3h17
